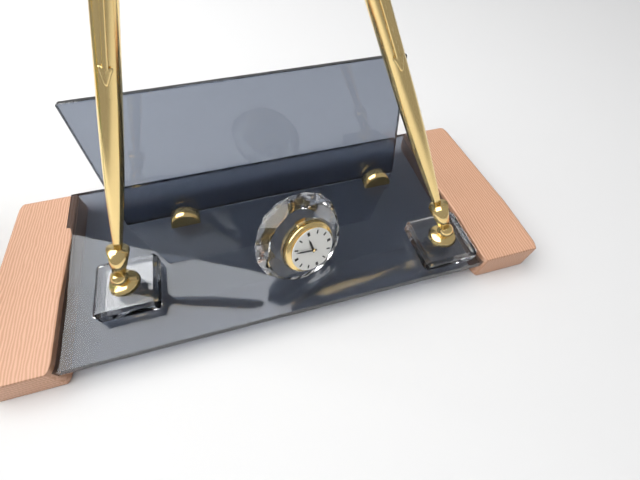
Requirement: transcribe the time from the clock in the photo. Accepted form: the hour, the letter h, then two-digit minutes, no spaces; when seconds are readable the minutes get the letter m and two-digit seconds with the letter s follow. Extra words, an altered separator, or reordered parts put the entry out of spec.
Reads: 11h49
